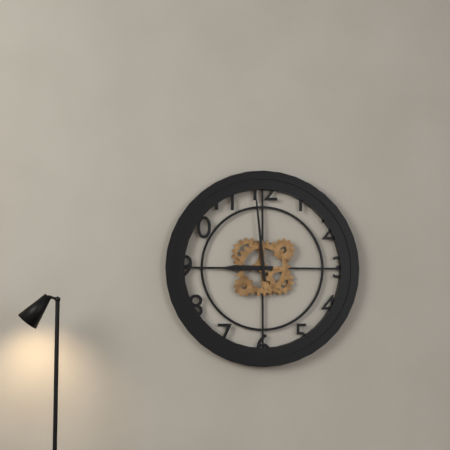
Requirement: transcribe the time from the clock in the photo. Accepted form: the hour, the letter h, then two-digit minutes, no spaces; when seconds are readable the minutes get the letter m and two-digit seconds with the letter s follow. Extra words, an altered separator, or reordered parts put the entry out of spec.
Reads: 8h59
